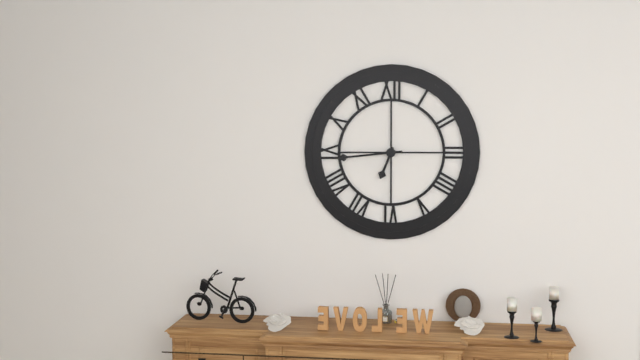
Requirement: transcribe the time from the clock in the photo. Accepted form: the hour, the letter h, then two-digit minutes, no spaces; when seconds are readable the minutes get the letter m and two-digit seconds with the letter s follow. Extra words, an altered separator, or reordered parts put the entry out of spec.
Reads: 6h44
